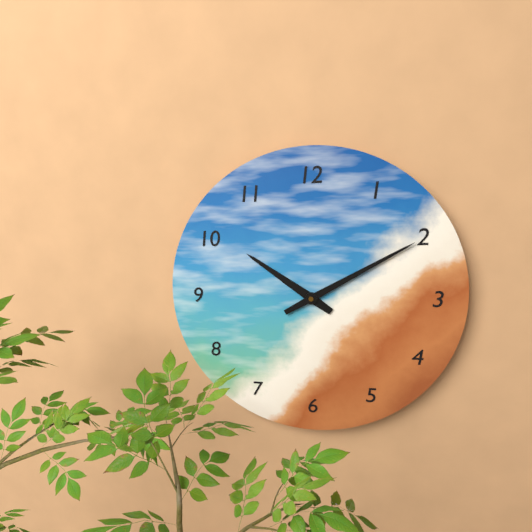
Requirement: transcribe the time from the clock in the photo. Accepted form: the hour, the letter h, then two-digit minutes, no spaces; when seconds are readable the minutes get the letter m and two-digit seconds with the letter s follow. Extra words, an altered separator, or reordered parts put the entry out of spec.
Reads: 10h10
